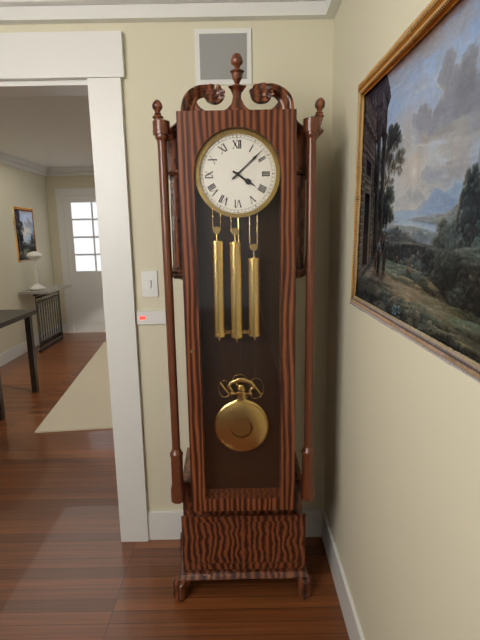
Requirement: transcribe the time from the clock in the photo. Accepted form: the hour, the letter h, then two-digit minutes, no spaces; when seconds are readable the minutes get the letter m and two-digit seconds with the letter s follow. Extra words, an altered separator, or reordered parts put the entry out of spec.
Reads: 4h08
